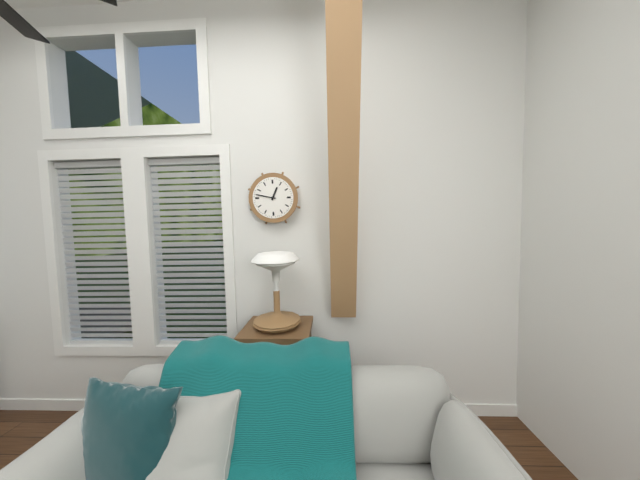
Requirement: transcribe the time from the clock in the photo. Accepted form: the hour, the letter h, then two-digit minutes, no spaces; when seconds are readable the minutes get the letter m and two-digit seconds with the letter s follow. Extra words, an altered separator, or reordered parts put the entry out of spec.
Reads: 12h47
